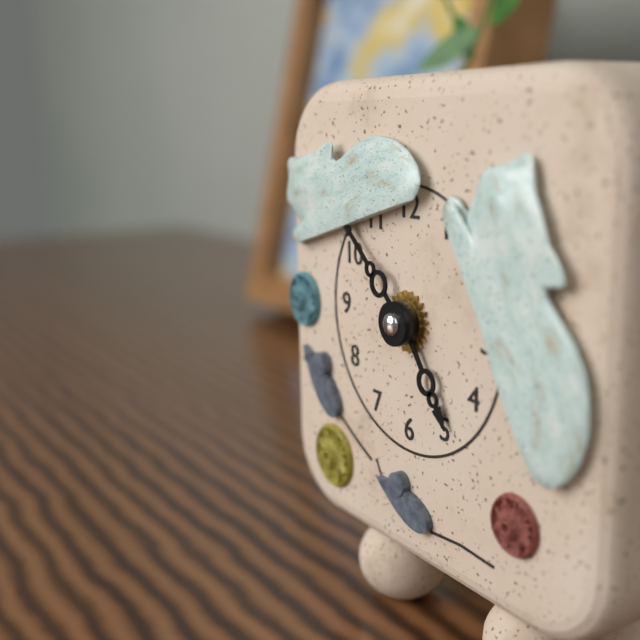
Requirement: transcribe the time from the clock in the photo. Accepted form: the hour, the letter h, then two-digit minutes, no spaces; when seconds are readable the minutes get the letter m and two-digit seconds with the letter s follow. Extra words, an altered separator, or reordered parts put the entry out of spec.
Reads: 4h52
